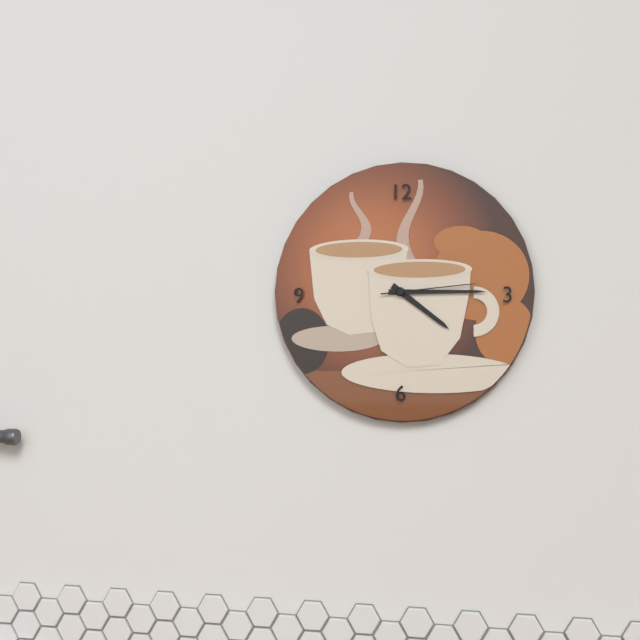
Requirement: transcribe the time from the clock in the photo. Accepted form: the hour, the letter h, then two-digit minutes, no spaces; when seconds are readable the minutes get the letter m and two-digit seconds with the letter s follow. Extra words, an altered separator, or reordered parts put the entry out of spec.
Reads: 4h15m14s
